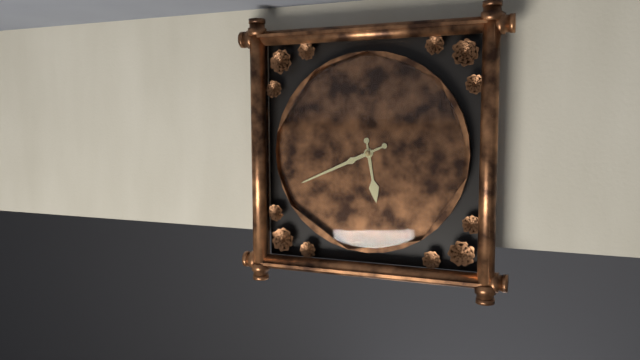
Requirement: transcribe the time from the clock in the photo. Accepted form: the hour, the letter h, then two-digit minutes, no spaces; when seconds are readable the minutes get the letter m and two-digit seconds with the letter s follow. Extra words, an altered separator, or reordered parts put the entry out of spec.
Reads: 5h41
